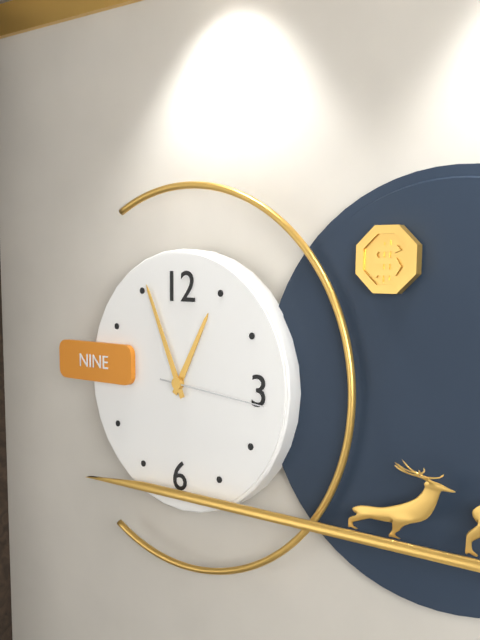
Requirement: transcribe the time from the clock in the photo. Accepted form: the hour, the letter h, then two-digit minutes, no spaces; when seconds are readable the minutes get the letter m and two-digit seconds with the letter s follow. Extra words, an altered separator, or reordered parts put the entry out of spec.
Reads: 12h56m16s
